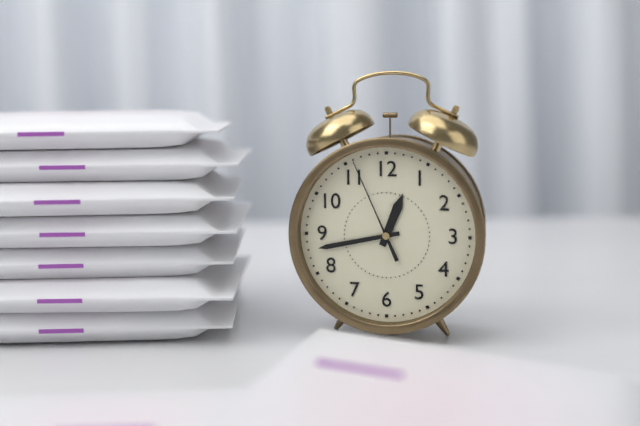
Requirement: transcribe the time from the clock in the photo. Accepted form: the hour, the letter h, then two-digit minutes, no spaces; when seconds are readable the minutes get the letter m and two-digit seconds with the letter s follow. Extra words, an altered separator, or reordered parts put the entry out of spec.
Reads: 12h43m56s
